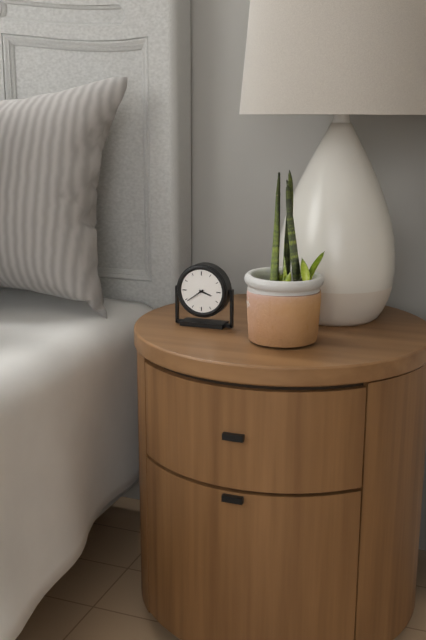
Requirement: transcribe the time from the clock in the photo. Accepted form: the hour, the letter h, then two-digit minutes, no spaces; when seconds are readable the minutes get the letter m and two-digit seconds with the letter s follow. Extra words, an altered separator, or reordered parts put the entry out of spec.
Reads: 3h39
